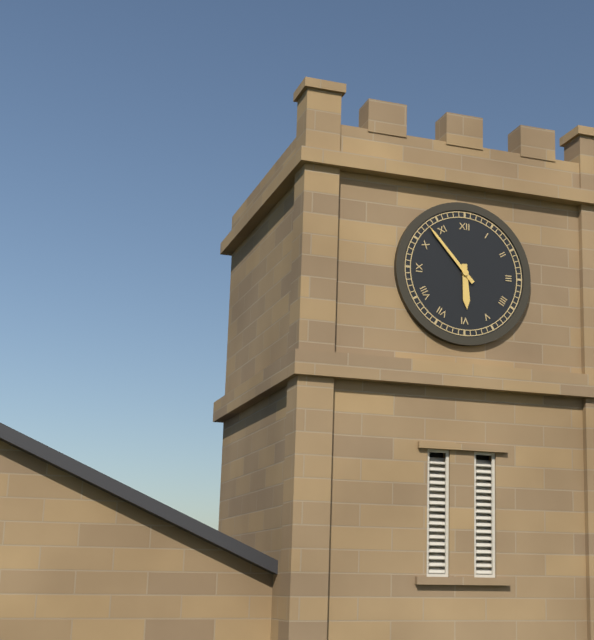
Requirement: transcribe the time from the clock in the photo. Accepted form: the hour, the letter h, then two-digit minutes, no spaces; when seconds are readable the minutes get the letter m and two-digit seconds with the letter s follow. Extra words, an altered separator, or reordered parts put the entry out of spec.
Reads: 5h53
